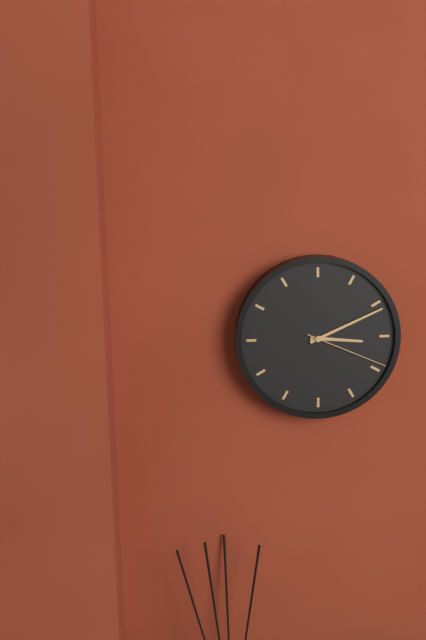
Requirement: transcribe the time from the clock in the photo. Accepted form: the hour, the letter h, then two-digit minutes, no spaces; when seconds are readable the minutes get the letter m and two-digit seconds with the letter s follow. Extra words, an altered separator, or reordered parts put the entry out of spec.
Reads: 3h11m19s
